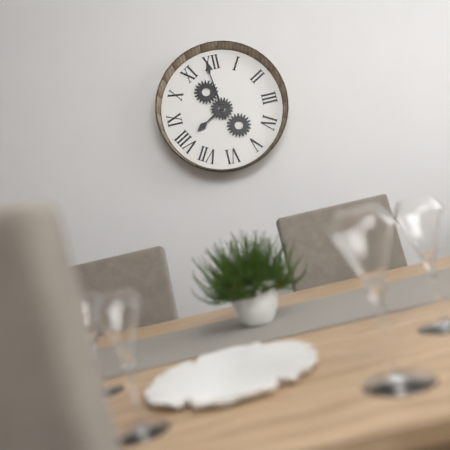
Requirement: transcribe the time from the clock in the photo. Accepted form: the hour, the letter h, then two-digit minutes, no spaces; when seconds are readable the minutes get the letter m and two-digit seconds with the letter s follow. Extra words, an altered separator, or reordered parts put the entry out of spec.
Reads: 7h59
